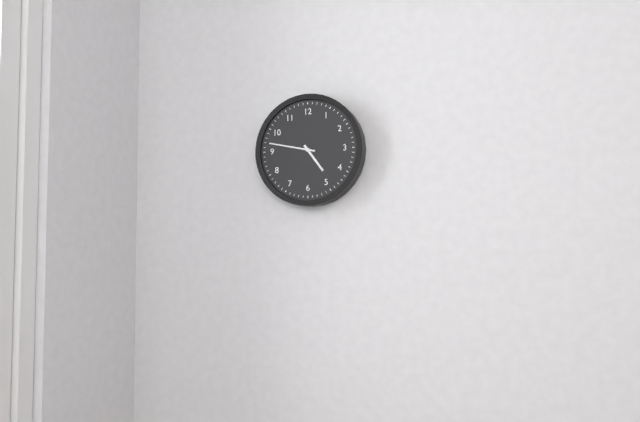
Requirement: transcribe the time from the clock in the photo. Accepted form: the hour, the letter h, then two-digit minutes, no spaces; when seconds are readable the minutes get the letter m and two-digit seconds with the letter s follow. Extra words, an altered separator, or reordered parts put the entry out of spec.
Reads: 4h47
